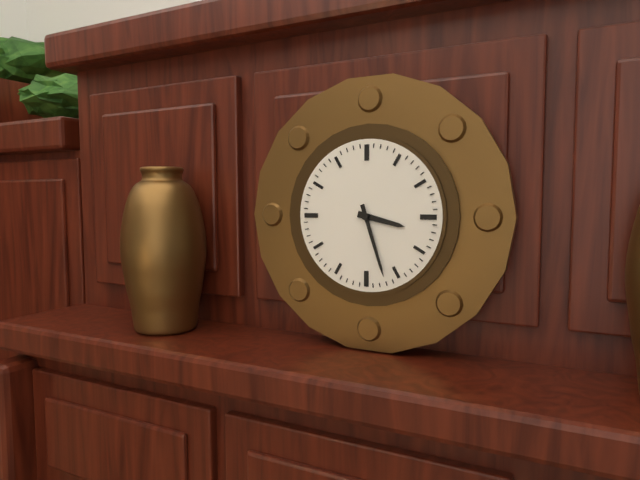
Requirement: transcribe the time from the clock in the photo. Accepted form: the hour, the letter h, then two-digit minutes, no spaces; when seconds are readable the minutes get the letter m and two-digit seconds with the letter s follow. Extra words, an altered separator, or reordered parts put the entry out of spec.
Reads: 3h27
